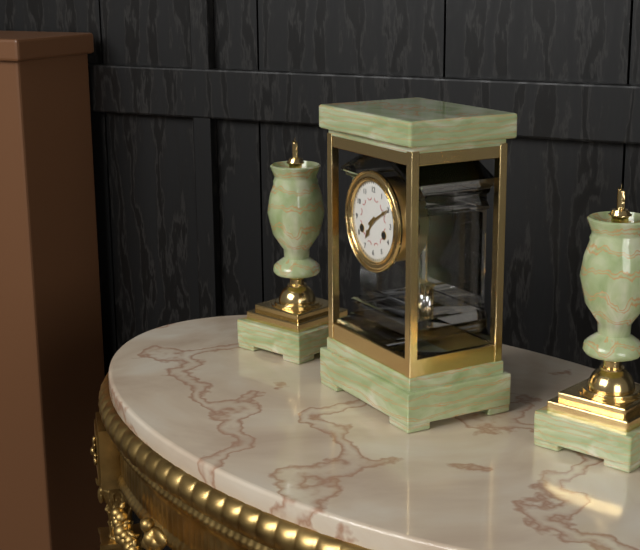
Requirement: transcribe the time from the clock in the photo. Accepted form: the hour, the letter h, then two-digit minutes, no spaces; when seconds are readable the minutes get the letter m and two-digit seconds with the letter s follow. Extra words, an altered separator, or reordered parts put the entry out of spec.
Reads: 7h10
